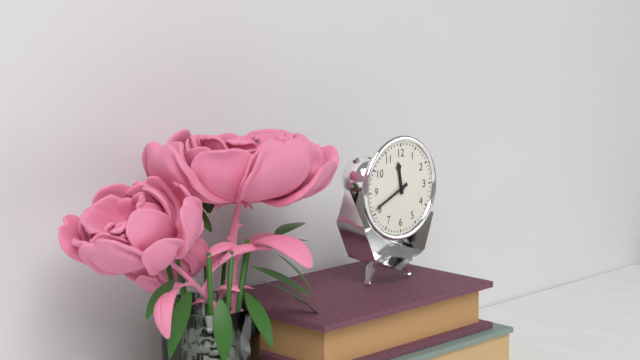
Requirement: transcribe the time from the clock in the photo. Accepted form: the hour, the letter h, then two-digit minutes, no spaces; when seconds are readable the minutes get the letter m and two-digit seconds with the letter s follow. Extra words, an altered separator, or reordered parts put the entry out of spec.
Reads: 11h41
